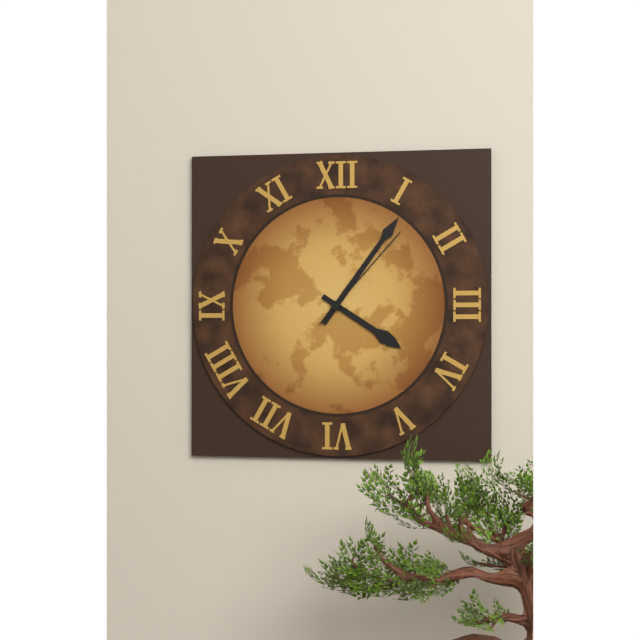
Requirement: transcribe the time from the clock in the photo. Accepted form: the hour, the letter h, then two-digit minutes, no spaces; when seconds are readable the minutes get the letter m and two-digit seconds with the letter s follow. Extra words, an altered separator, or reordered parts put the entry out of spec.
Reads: 4h06m07s
